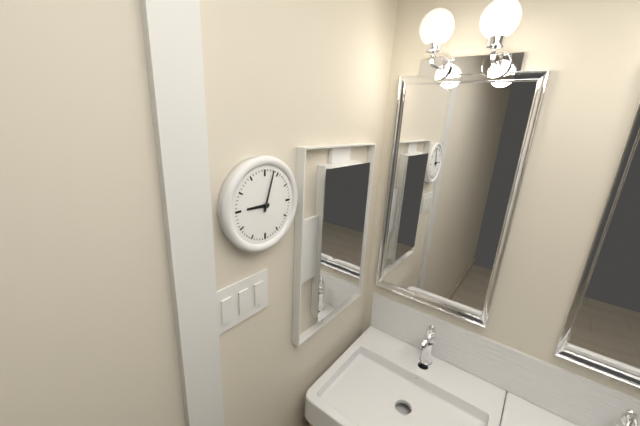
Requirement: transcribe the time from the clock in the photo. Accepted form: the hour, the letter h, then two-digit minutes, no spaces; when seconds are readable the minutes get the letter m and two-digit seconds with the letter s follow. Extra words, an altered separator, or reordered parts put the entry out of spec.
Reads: 9h03
